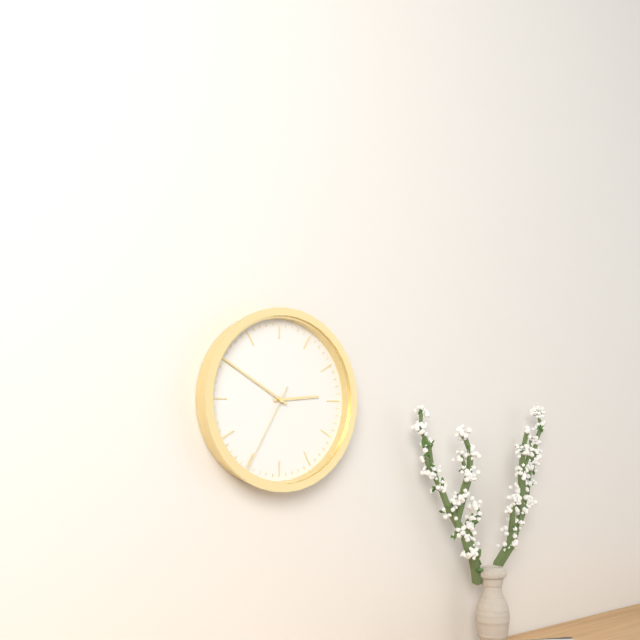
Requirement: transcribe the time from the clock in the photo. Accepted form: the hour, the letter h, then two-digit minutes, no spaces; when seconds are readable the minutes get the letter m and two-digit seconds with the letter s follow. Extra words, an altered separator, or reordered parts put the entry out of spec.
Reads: 2h50m35s
